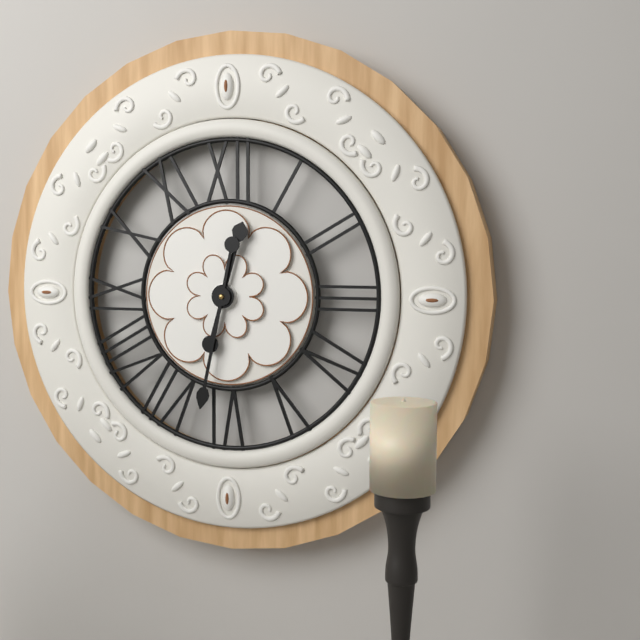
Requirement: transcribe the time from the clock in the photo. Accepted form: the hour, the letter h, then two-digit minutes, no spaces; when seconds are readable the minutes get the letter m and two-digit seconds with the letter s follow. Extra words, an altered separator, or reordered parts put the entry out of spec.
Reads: 12h32
